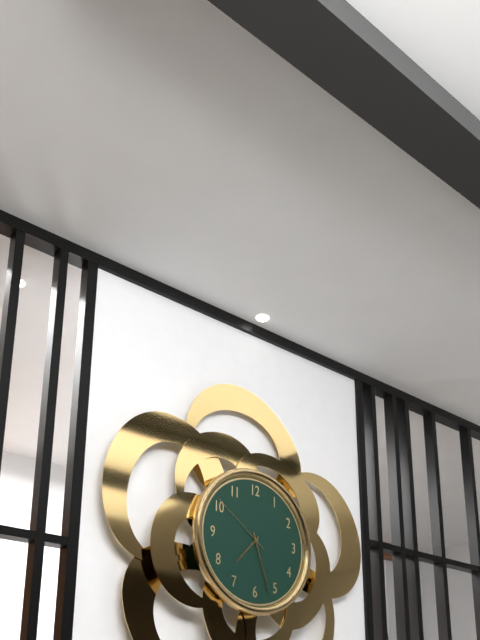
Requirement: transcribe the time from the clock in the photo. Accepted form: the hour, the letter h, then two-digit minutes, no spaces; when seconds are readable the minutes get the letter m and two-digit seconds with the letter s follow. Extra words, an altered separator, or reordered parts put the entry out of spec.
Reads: 7h27m51s
